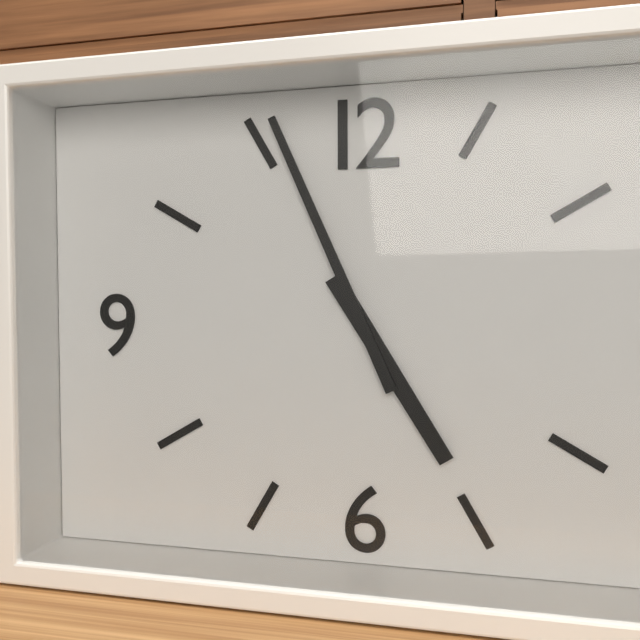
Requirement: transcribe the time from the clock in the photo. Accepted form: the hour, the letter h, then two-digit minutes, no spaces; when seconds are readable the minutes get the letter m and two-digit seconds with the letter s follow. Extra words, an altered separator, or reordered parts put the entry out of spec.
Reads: 4h56
